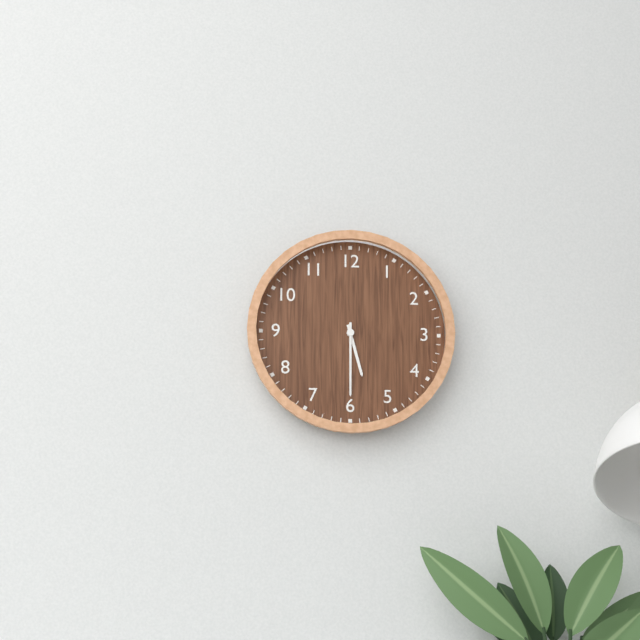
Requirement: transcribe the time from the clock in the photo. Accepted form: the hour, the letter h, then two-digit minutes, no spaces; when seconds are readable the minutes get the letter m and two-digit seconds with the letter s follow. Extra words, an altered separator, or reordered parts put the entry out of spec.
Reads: 5h30
